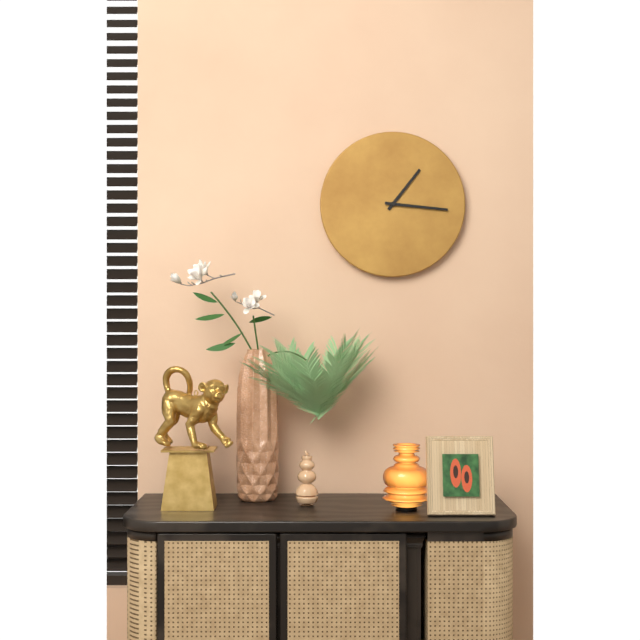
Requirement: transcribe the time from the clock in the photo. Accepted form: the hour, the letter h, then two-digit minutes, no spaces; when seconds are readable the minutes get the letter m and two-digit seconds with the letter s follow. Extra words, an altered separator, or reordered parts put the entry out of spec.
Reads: 1h16
